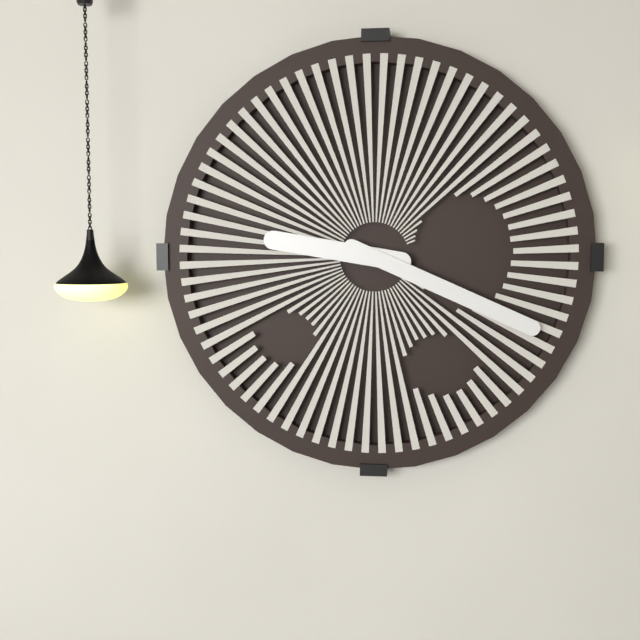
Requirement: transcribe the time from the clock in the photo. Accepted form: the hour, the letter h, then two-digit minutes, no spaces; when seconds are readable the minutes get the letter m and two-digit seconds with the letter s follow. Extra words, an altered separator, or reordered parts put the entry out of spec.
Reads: 9h19
